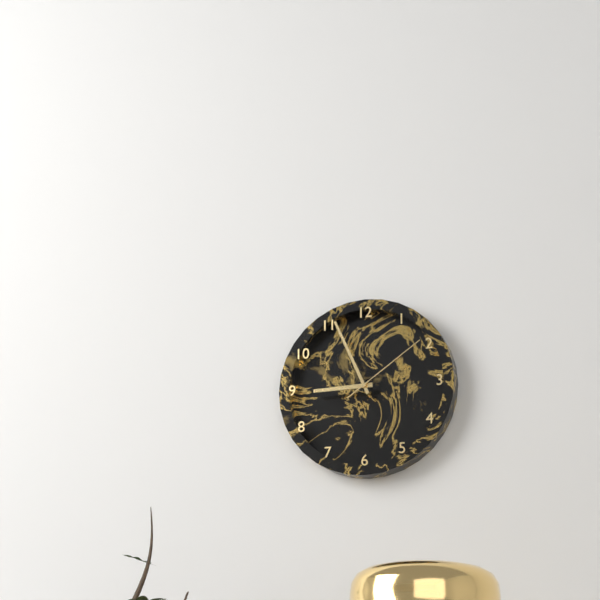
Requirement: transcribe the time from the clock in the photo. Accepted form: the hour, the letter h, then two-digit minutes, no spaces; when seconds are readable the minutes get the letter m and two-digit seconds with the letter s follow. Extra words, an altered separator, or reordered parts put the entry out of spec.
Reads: 8h56m09s
